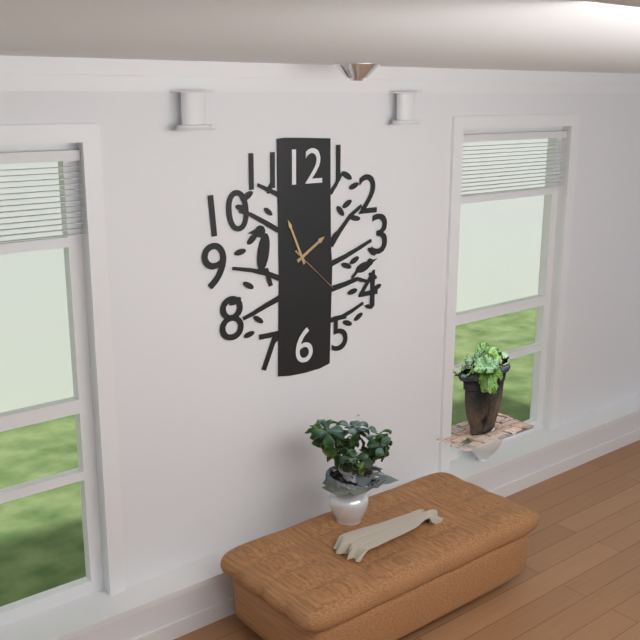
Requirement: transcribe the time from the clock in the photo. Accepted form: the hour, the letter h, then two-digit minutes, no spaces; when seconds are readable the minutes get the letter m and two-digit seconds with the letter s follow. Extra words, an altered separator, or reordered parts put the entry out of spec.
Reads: 1h56m22s
